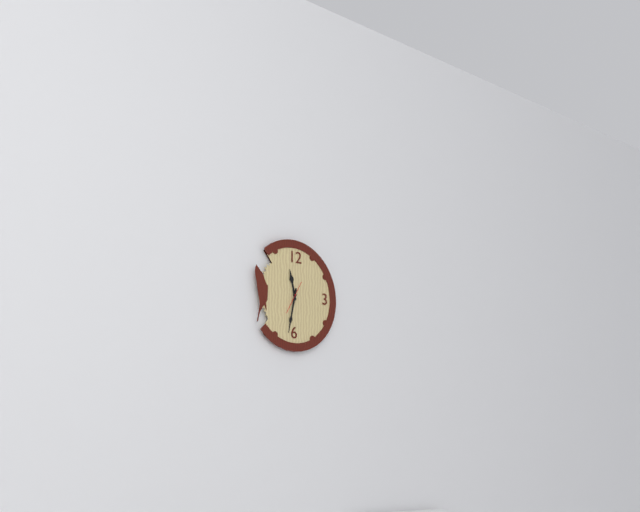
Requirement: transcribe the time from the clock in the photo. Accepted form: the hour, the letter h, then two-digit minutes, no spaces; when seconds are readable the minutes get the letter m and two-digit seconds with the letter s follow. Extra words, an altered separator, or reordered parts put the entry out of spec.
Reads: 11h32
